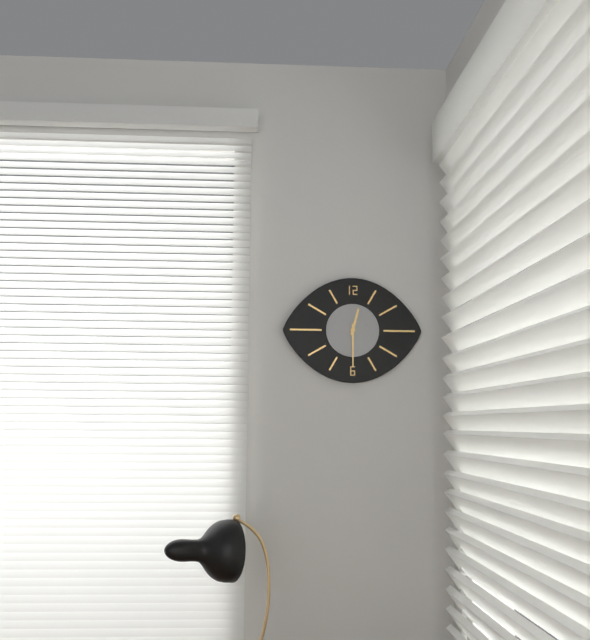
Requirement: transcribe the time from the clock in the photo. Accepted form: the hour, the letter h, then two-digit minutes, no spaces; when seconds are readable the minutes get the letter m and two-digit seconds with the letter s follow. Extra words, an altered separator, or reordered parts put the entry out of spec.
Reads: 12h30
